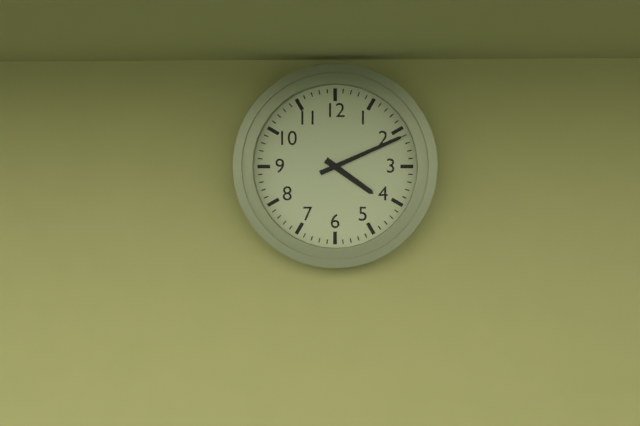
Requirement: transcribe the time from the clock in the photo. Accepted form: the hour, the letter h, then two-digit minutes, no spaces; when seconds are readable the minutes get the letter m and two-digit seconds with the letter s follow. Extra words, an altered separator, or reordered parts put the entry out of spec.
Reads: 4h11
